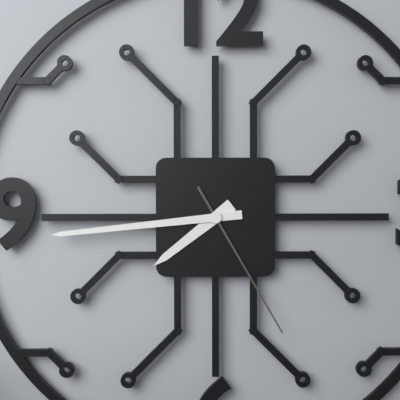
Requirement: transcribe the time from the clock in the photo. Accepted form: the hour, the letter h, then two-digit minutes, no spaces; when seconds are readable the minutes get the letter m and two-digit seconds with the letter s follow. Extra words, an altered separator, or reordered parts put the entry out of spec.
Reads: 7h44m25s
